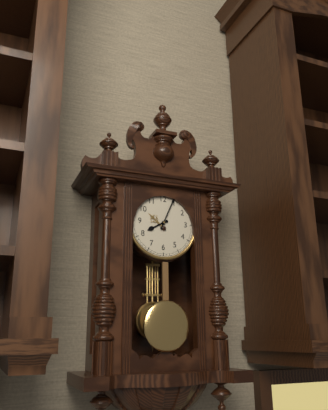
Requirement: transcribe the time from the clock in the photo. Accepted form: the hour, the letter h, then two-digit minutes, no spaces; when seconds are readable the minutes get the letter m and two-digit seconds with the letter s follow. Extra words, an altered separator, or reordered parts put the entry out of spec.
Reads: 8h04
